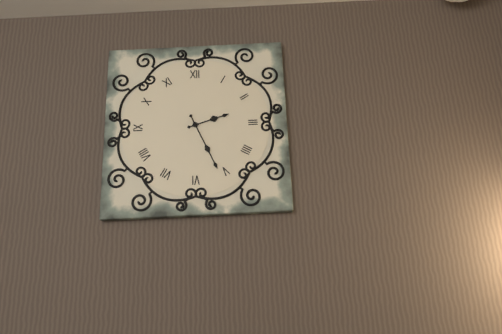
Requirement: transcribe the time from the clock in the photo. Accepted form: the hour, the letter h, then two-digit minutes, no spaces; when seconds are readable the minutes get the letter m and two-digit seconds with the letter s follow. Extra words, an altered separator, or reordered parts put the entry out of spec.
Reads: 2h26
